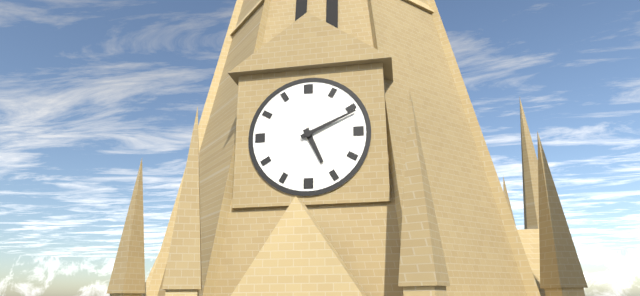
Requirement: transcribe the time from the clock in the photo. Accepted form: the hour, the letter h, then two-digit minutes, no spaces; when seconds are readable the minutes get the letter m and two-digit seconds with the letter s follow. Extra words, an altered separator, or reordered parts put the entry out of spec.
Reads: 5h11
